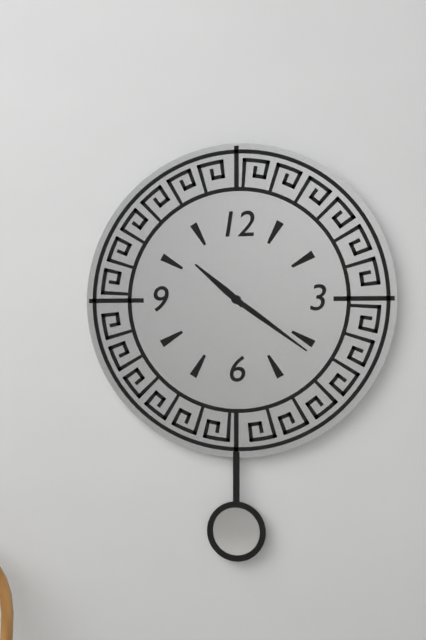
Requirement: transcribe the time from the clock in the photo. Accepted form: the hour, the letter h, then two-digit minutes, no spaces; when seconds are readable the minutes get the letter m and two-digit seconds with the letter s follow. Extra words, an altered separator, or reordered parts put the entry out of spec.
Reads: 10h21
